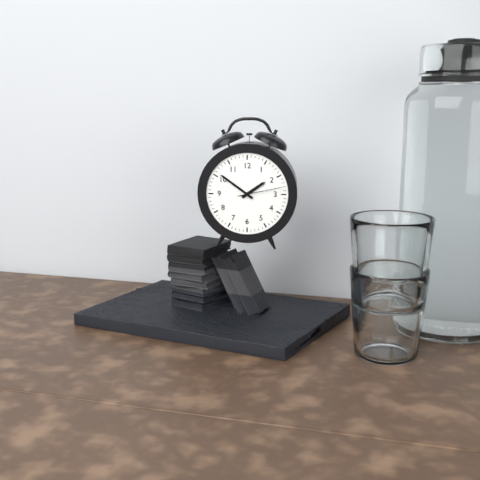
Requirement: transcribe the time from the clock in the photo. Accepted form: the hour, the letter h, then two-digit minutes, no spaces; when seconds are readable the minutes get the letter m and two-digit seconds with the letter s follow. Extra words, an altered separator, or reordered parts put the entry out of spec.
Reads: 1h51
